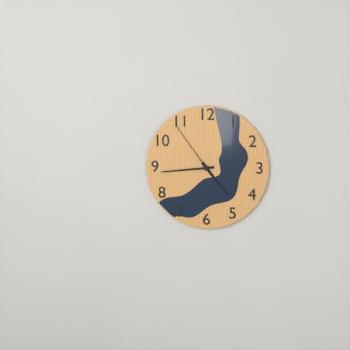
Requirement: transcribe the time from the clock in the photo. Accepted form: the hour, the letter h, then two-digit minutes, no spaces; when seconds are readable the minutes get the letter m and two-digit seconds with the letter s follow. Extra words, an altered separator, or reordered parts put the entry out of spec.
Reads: 4h44m54s
